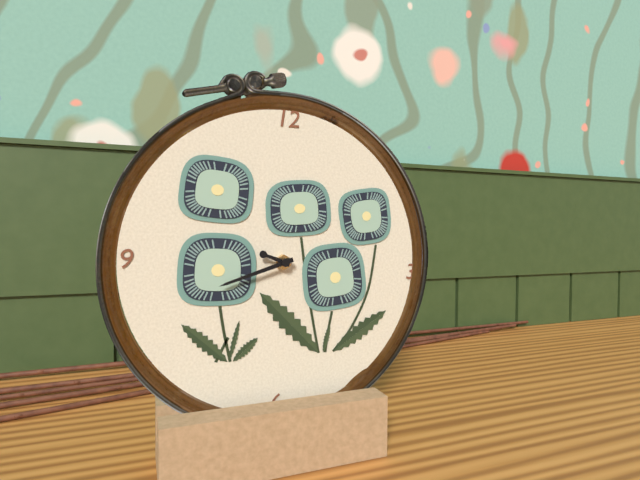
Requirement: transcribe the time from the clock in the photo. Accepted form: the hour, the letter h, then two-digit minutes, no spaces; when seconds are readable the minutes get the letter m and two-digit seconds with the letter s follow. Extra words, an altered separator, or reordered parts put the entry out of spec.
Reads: 9h42
